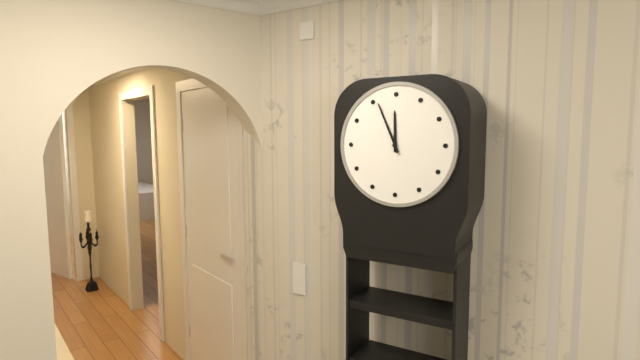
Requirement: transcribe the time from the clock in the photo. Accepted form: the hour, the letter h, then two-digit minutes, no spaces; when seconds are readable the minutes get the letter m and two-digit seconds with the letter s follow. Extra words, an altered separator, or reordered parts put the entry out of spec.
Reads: 11h56
